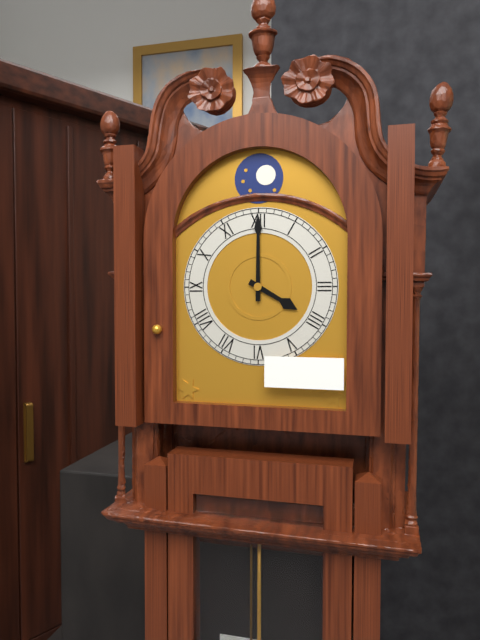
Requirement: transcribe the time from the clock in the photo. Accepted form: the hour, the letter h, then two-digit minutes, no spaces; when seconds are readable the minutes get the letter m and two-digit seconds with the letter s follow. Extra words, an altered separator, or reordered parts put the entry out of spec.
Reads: 4h00
